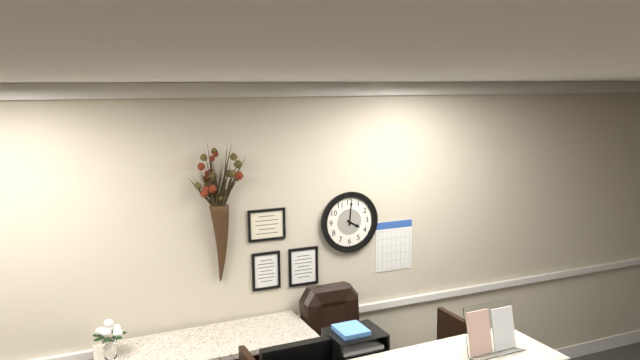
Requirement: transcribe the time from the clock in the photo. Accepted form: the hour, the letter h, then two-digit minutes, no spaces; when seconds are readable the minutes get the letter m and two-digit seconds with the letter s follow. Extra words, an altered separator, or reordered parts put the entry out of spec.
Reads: 4h01
